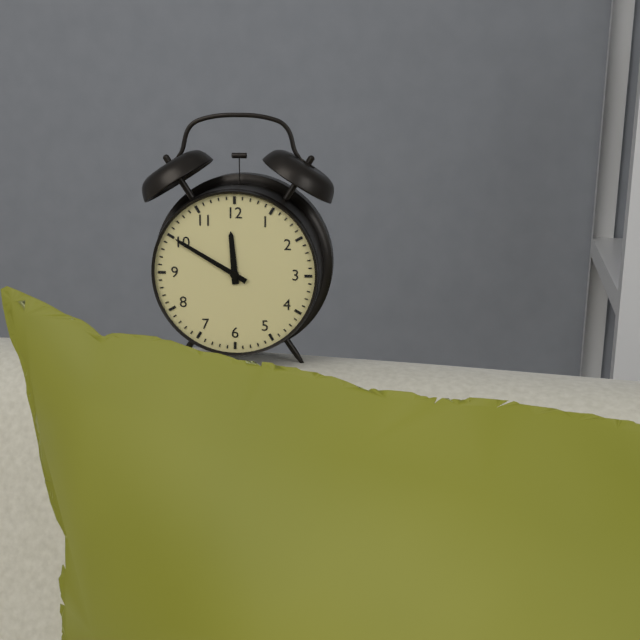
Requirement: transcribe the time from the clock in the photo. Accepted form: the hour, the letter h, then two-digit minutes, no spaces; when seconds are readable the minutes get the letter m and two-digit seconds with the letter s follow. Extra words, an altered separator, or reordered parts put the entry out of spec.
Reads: 11h50
